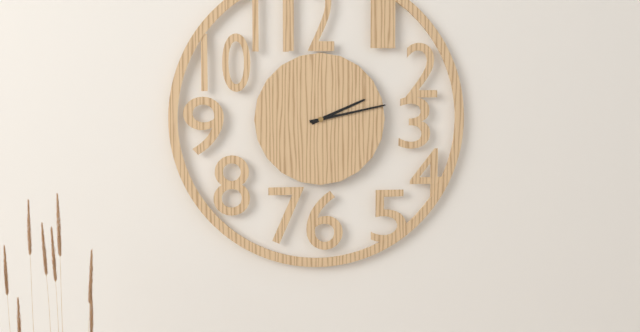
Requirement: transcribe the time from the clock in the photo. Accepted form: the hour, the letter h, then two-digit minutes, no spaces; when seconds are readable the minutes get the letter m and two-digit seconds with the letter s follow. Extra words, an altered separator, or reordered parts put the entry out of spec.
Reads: 2h13
